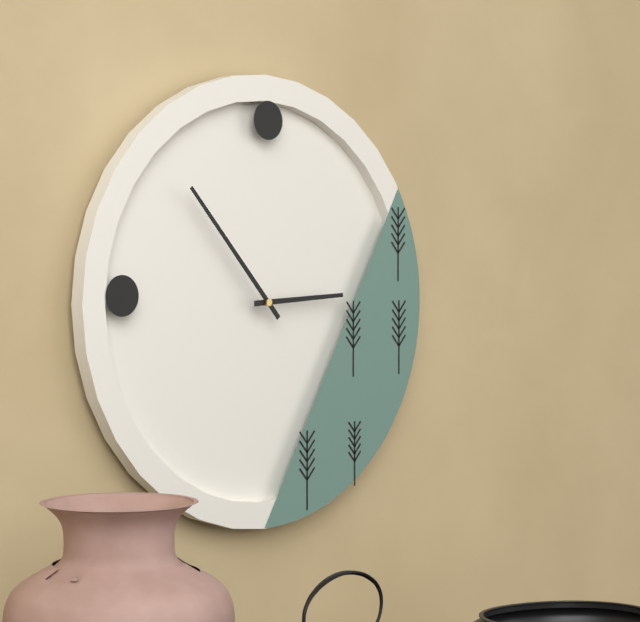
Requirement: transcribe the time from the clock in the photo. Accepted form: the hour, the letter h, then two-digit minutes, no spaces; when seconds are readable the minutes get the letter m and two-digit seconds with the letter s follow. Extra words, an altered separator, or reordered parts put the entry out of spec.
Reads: 2h53
